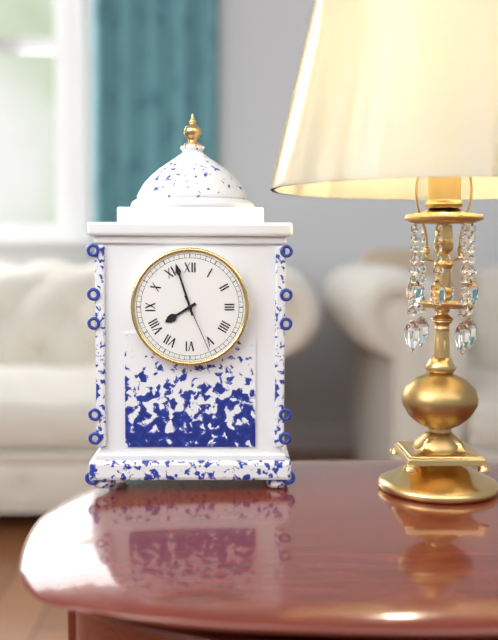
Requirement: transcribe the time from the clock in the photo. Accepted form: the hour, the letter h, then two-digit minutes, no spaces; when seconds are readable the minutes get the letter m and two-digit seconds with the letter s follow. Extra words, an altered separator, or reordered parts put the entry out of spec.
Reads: 7h57m26s
